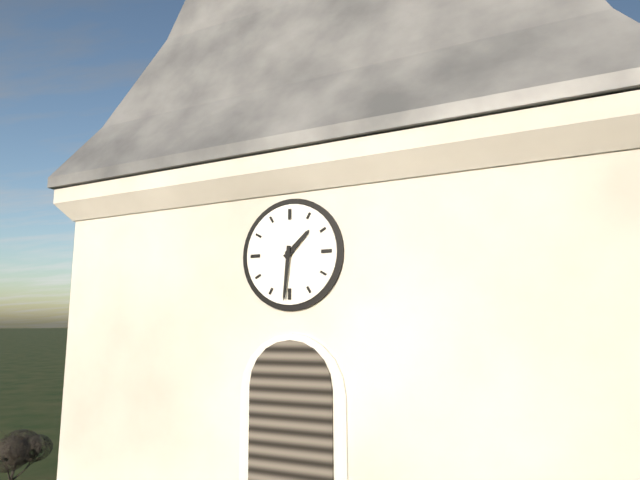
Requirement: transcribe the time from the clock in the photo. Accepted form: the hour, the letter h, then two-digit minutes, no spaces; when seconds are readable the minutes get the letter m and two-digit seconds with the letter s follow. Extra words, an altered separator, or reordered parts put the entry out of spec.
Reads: 1h31
